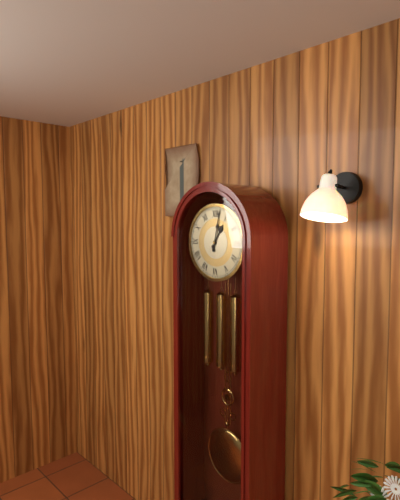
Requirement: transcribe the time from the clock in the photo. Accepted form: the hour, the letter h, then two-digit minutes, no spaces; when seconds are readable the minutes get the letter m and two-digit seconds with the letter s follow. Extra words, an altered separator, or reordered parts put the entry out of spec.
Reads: 1h02
